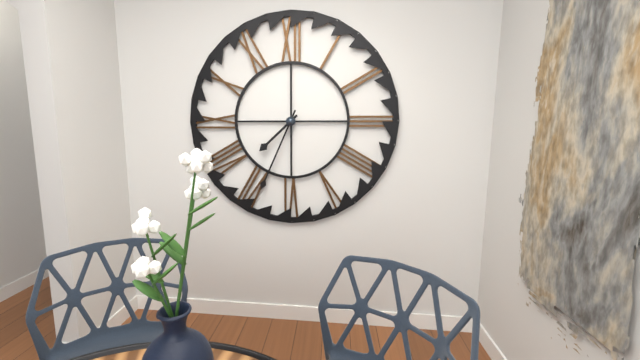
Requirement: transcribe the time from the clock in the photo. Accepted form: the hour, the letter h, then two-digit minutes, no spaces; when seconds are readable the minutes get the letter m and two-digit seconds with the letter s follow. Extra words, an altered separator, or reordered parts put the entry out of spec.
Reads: 7h34
